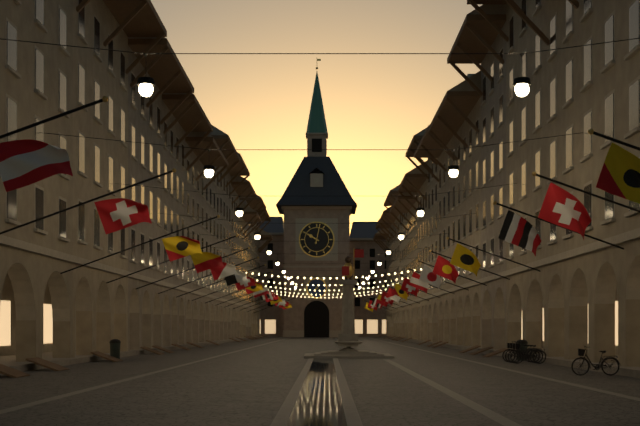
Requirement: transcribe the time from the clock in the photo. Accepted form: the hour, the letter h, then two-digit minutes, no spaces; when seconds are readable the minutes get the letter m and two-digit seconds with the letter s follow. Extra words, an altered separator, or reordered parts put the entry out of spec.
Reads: 10h02
